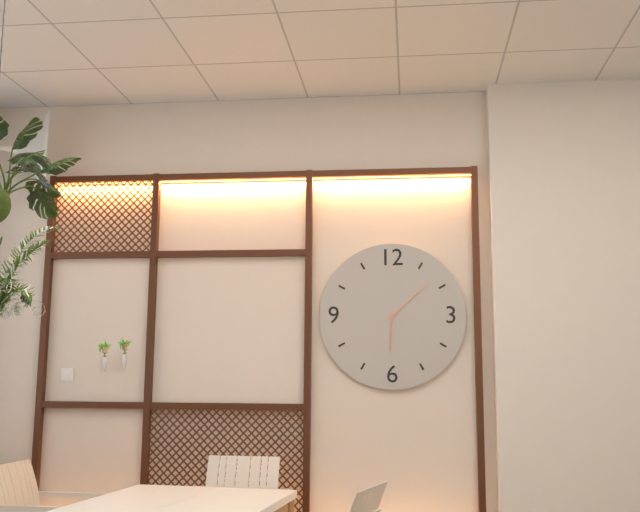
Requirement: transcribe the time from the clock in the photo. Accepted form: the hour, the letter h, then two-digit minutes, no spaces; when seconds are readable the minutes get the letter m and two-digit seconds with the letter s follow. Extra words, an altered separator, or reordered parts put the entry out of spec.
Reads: 6h08
